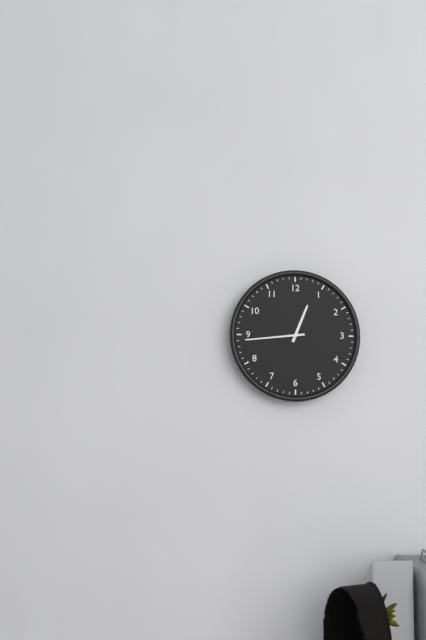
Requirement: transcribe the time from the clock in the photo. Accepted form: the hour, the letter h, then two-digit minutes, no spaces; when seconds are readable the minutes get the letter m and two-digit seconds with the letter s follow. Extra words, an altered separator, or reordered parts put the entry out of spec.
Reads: 12h44
